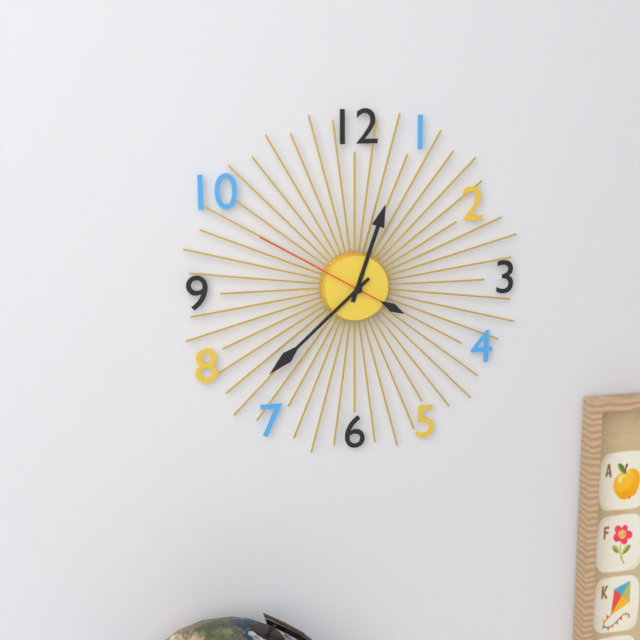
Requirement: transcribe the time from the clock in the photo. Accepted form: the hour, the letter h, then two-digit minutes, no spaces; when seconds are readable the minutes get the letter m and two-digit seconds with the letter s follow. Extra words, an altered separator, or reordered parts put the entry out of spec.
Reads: 12h38m50s
